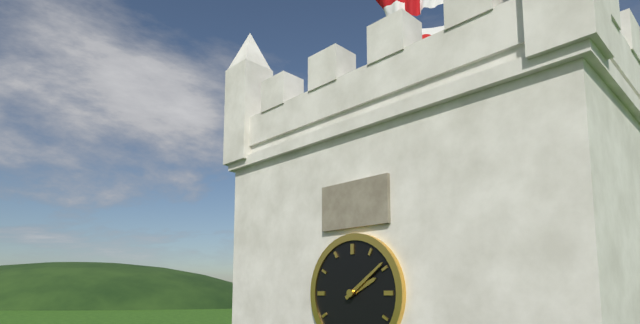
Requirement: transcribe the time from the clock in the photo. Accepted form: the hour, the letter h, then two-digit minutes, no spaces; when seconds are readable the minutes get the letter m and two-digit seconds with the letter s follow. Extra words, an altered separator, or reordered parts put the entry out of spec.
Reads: 2h09
